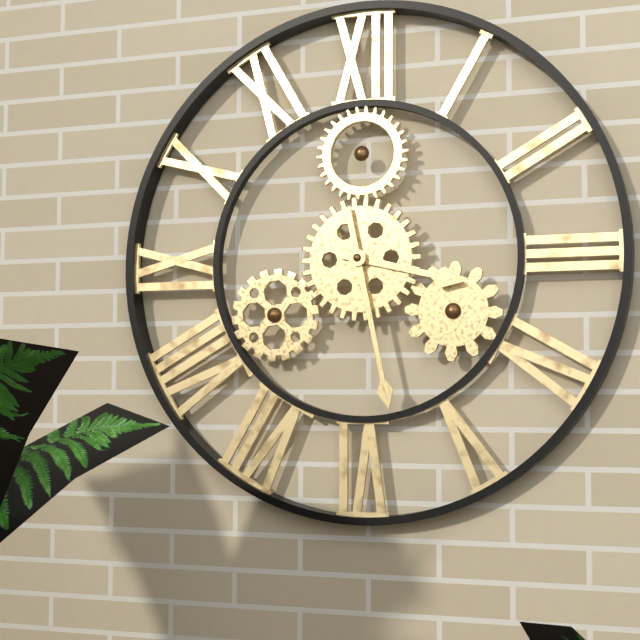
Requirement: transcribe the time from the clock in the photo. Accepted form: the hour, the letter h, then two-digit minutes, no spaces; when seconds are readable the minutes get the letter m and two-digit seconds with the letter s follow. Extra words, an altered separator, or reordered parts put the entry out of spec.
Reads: 3h28
